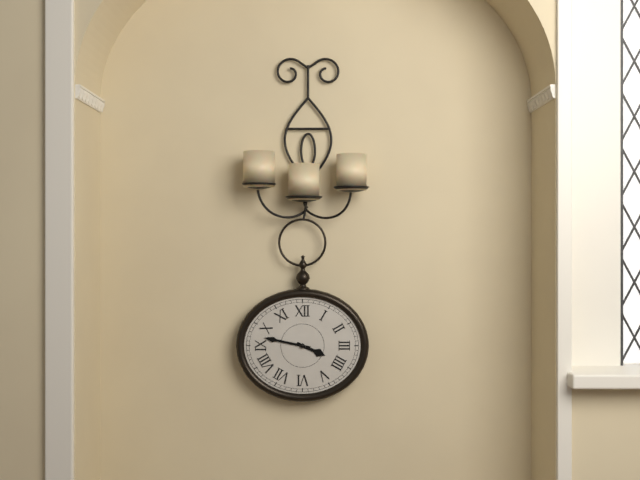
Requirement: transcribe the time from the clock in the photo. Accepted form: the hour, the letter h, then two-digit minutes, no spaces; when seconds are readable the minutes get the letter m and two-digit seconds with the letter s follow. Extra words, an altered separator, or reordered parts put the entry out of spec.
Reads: 3h47
